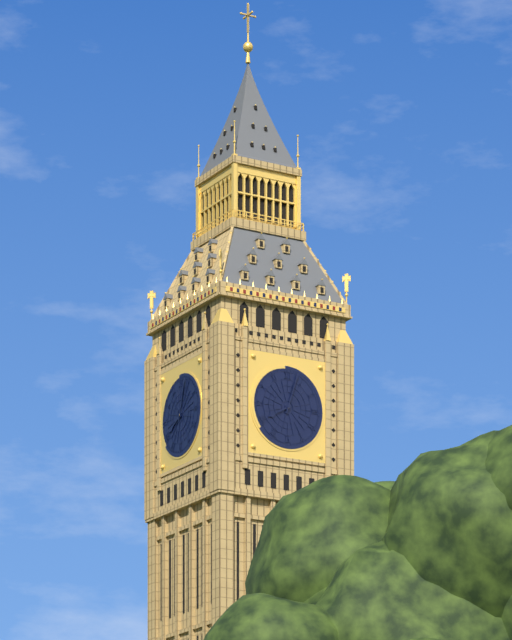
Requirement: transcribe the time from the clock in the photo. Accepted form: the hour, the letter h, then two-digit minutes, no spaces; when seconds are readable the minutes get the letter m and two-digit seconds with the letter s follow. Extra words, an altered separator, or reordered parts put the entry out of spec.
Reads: 8h03
